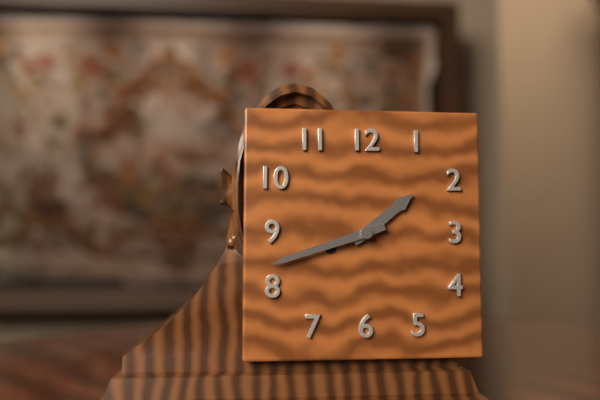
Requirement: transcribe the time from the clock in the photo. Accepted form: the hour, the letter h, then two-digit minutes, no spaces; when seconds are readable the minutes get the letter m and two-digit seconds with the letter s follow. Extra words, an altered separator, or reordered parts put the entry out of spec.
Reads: 1h42
